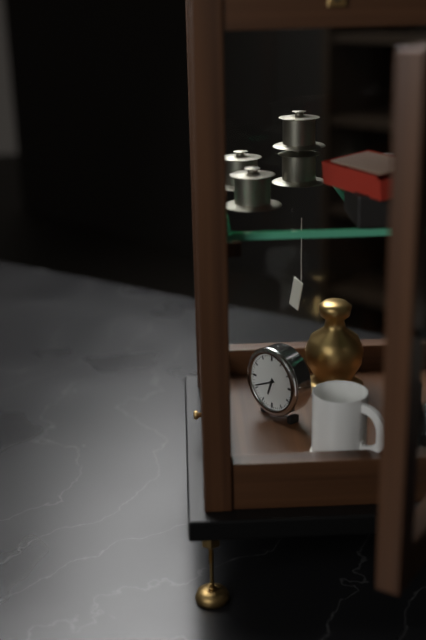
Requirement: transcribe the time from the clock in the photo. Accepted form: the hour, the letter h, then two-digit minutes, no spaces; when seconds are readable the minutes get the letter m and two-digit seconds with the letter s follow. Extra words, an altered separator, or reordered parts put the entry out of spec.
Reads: 6h41
